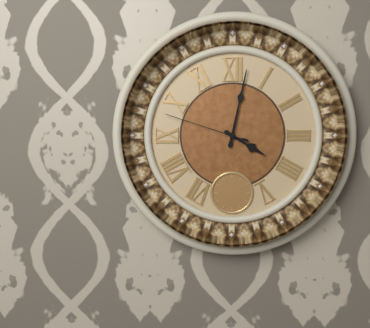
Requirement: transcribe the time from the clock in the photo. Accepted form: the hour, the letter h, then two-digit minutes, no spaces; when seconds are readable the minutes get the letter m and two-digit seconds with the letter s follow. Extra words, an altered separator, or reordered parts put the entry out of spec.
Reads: 4h02m48s
